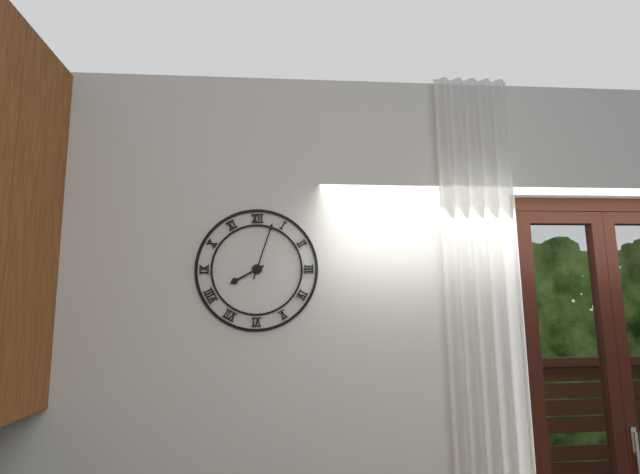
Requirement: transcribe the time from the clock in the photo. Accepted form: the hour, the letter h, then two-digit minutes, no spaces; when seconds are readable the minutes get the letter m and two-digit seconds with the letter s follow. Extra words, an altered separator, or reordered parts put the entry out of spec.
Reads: 8h03
